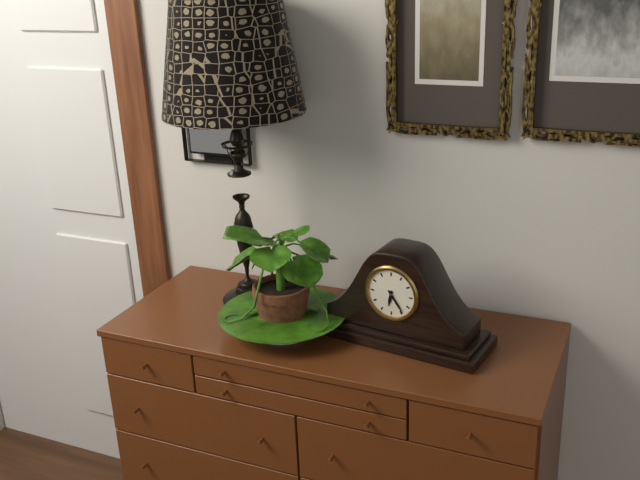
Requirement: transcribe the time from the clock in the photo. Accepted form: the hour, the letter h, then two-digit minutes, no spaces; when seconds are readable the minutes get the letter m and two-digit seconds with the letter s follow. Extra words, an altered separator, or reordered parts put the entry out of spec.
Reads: 6h24
